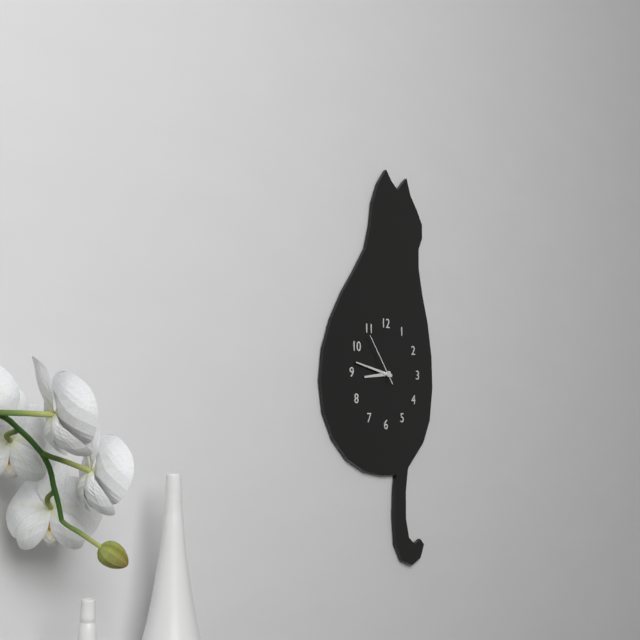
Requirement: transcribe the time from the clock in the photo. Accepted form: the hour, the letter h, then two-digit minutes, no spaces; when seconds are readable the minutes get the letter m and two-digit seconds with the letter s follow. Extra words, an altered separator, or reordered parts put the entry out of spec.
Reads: 8h47m54s
